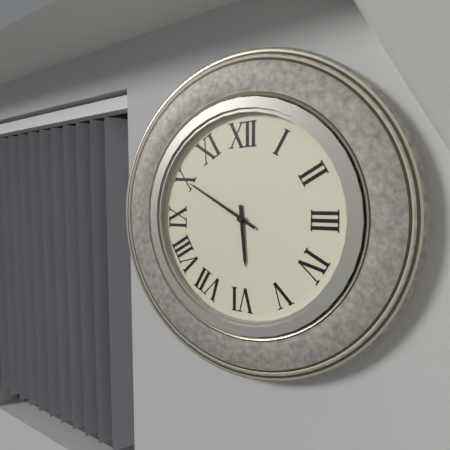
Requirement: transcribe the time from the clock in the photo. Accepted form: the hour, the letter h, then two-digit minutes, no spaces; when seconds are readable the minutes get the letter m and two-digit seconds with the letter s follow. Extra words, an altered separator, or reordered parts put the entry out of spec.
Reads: 5h50
